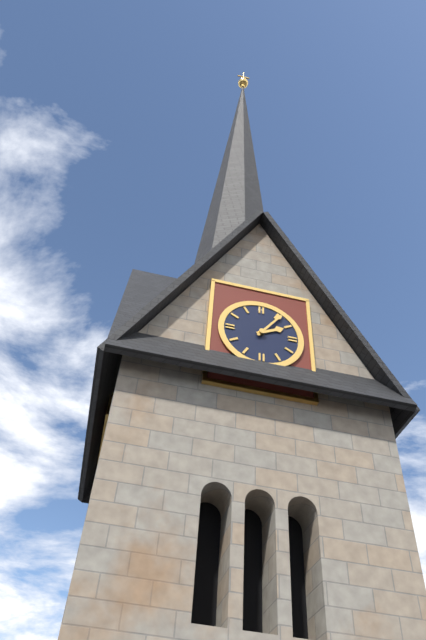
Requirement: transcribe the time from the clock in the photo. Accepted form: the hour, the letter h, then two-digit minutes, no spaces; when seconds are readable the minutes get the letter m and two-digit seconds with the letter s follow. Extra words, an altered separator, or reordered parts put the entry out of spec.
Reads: 2h06
